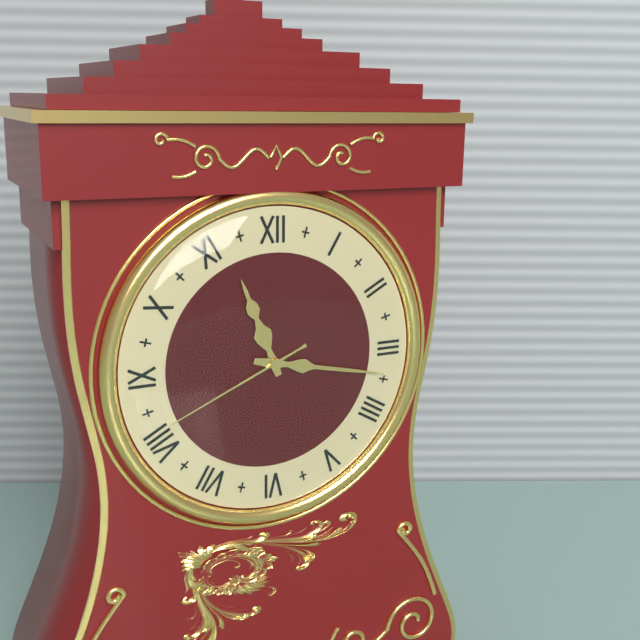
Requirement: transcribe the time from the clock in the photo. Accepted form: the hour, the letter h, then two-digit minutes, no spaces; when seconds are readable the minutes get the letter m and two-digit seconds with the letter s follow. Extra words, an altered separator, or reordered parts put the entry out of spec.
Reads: 11h17m41s
